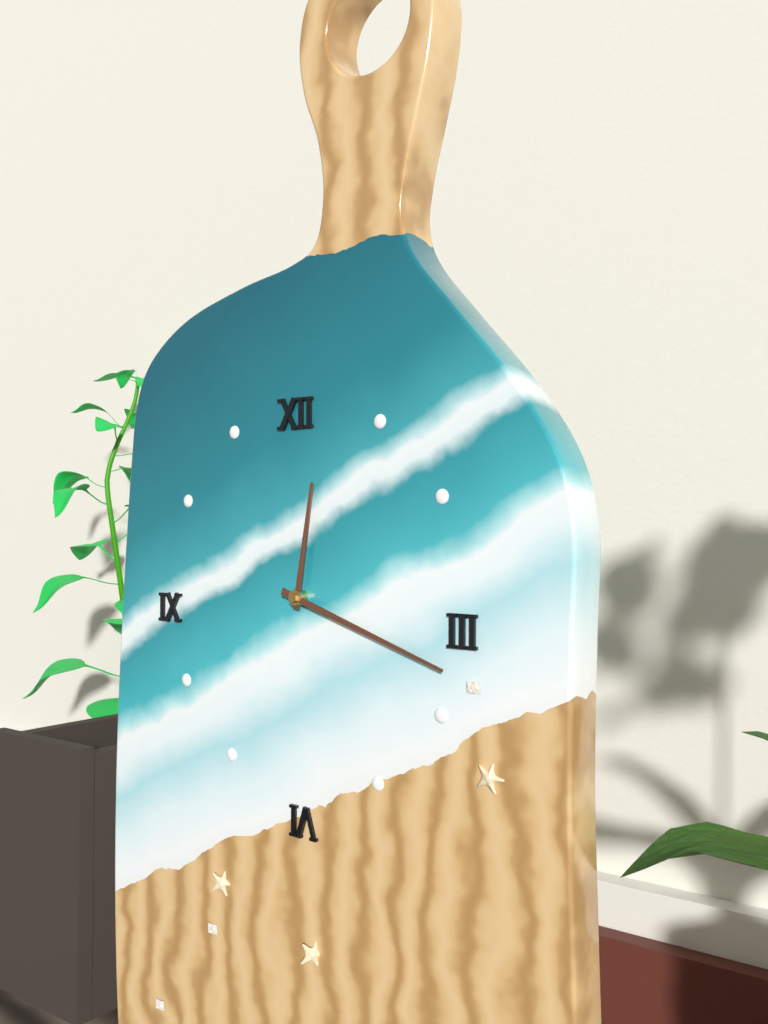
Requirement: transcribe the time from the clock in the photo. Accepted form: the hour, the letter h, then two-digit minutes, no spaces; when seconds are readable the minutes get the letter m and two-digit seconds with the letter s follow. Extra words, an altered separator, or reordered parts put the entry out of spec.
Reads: 12h18
